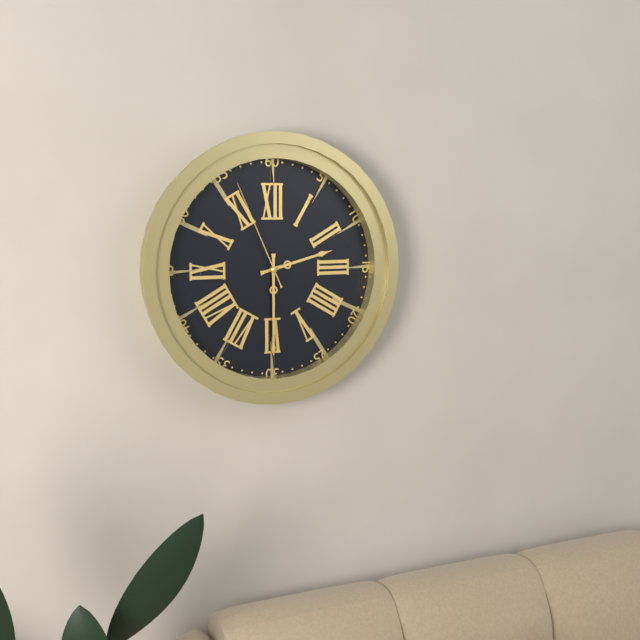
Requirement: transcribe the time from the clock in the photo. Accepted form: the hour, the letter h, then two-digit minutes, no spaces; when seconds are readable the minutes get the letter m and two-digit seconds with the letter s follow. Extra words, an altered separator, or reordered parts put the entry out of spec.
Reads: 2h30m56s
